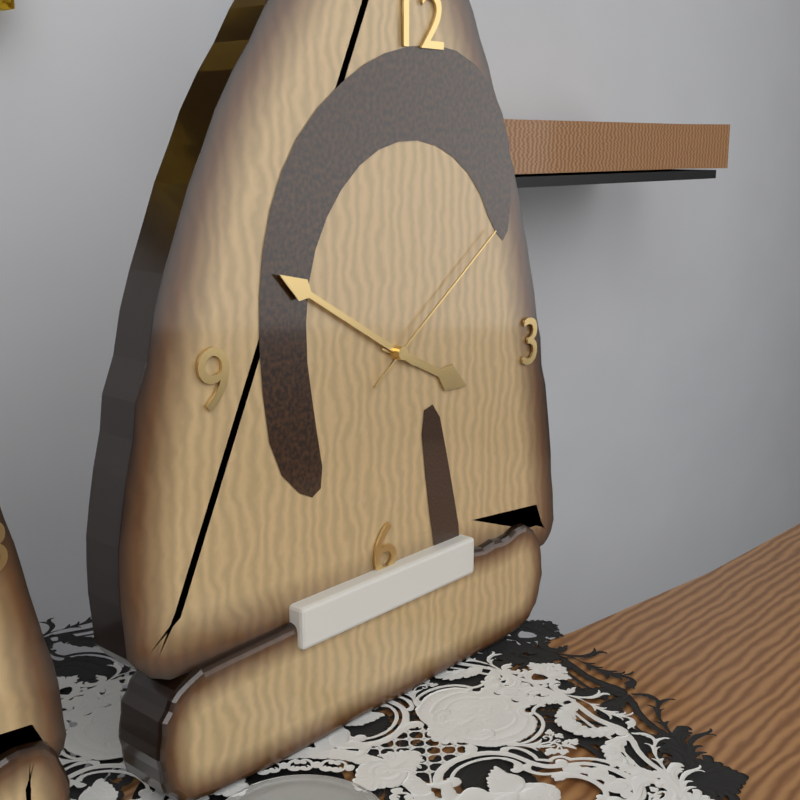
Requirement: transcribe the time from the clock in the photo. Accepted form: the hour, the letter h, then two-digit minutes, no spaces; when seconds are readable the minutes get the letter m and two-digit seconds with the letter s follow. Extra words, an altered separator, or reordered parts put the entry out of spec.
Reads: 3h50m09s
